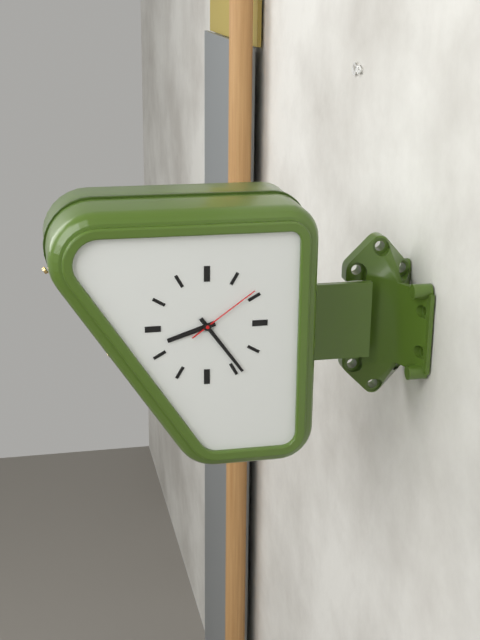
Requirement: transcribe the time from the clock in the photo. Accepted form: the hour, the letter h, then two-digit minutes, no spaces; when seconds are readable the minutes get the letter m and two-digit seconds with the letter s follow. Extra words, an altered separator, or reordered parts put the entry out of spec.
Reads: 8h24m09s
